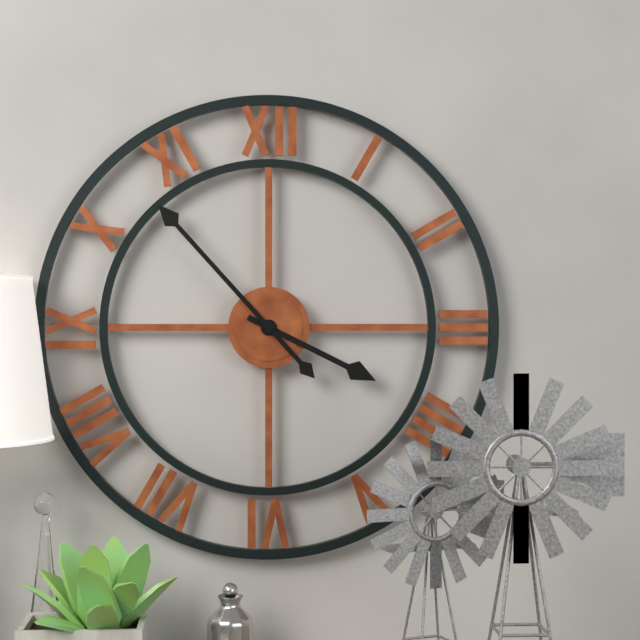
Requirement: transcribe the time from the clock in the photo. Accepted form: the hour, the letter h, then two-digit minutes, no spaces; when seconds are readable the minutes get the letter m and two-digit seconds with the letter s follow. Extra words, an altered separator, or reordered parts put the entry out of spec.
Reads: 3h53
